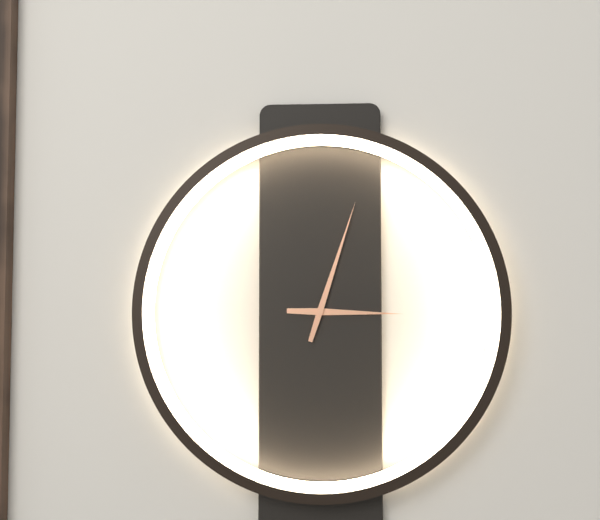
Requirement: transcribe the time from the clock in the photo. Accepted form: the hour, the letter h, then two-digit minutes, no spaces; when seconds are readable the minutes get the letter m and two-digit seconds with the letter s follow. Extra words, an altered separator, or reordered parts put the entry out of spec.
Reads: 3h03
